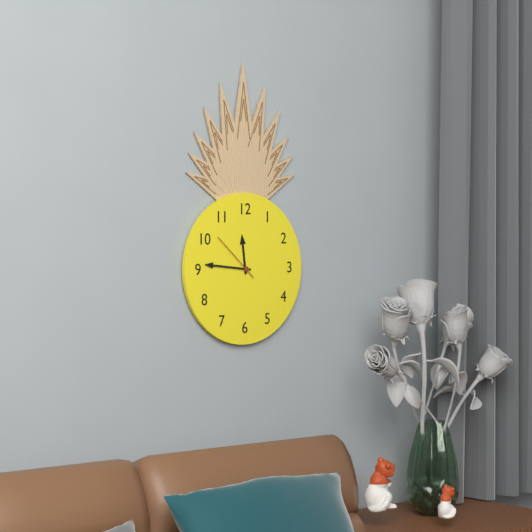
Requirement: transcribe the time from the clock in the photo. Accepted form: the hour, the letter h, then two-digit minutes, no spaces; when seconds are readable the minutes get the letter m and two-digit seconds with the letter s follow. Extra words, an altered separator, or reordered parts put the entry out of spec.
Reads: 11h46m52s
